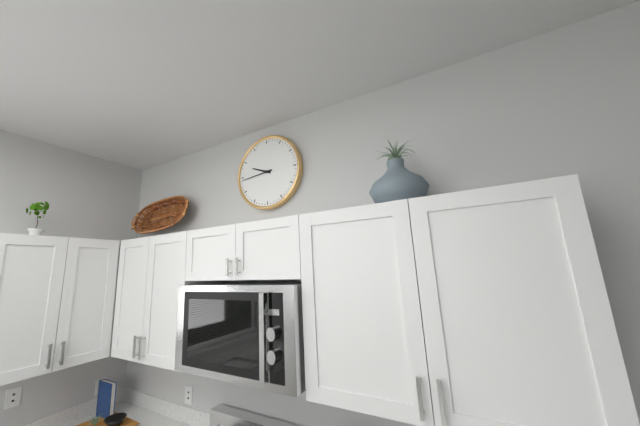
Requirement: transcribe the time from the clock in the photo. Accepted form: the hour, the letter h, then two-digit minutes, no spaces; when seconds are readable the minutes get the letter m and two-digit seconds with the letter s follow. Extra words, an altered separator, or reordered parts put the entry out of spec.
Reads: 9h44
